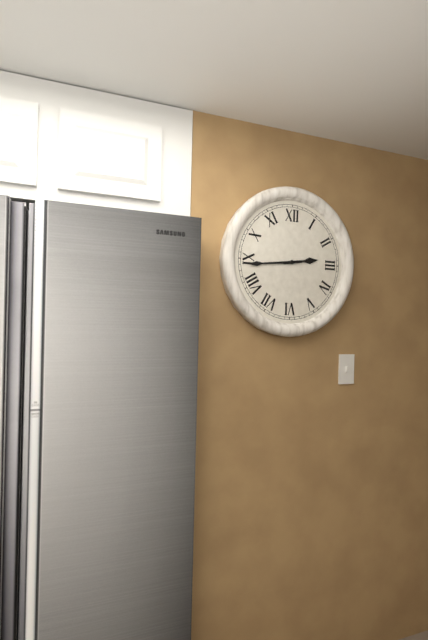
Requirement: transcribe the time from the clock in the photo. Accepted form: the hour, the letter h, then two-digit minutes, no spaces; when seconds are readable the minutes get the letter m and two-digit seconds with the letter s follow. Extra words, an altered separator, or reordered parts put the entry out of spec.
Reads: 2h44
